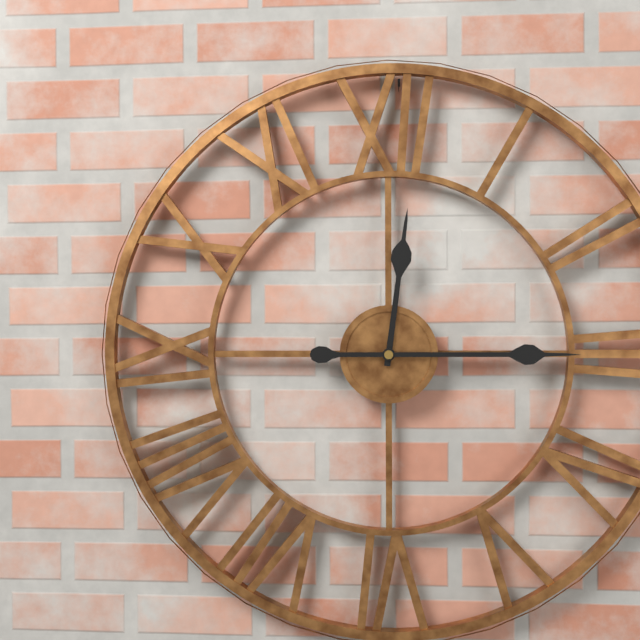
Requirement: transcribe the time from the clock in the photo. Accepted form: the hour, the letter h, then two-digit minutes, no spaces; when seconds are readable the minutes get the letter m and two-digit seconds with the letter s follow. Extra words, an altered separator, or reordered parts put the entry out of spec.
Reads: 12h15
